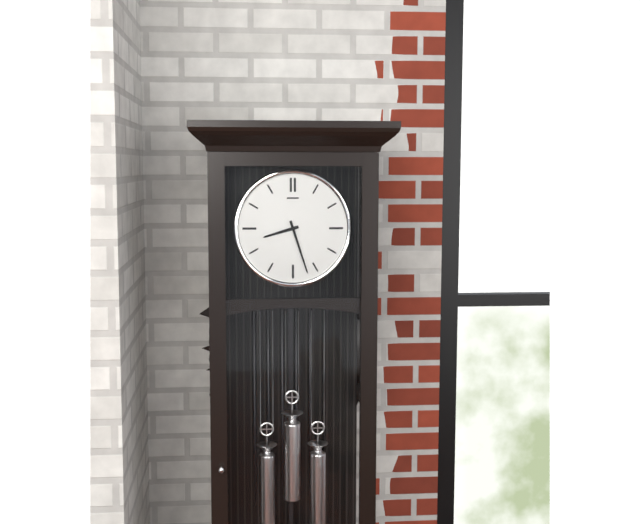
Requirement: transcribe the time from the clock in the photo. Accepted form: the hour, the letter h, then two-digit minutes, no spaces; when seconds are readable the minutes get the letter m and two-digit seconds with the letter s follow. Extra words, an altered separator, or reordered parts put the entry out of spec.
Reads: 8h27
